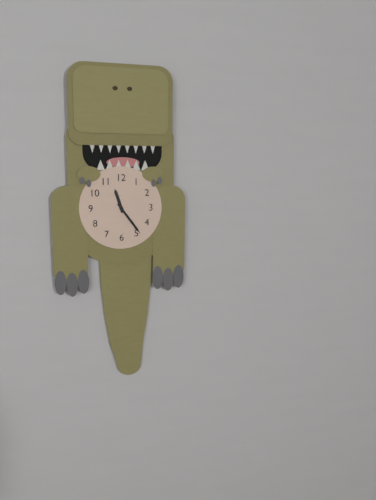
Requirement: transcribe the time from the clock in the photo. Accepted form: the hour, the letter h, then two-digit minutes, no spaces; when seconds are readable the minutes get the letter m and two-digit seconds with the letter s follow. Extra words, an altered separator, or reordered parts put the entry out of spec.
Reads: 11h24
